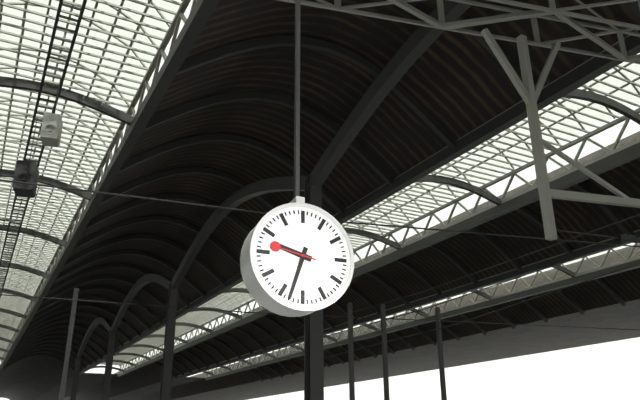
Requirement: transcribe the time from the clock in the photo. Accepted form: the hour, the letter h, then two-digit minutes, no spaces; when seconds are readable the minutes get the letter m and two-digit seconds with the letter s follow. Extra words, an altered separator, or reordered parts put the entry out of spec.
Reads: 9h33
